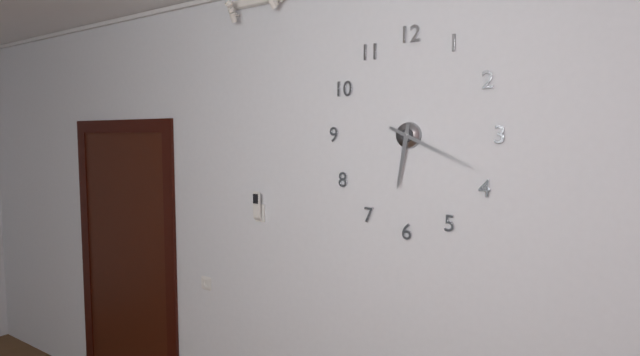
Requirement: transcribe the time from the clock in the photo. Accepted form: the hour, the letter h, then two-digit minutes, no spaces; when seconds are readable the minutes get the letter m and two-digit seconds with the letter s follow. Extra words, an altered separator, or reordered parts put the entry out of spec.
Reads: 6h19
